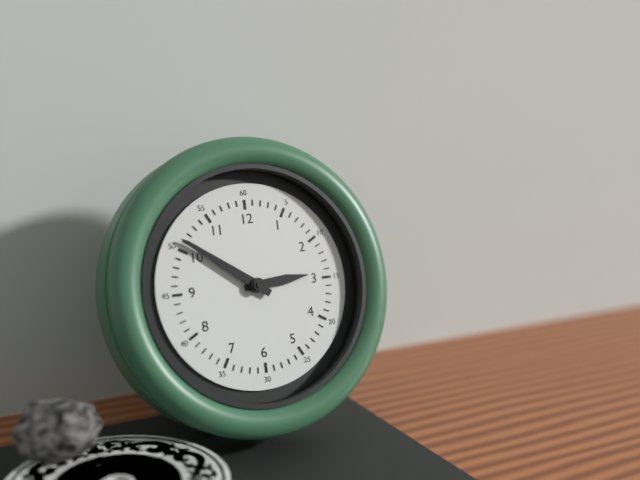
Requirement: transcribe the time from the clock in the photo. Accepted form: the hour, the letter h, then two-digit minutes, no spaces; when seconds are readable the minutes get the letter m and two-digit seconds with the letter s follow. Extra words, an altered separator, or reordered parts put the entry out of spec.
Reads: 2h51
